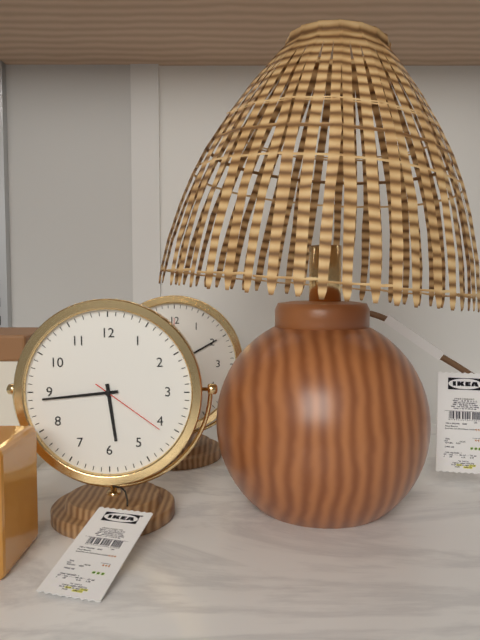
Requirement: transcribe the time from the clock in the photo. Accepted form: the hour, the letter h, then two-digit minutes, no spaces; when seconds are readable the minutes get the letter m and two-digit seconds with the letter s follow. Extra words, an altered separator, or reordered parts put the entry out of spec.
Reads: 5h44m21s
